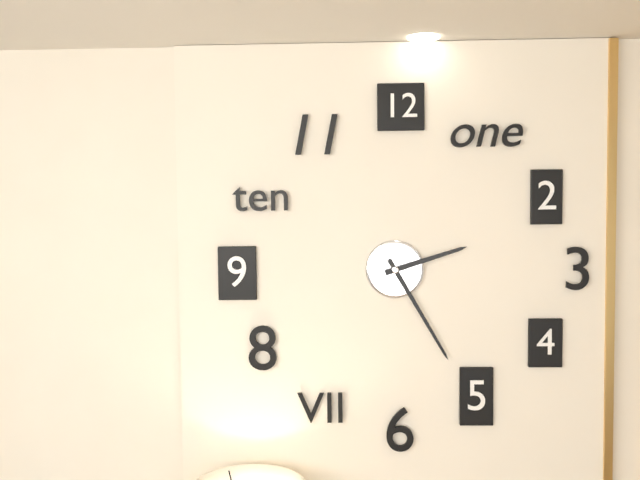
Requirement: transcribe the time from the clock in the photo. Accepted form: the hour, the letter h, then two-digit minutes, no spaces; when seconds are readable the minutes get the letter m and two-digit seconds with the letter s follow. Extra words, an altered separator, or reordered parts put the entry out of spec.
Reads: 2h25
